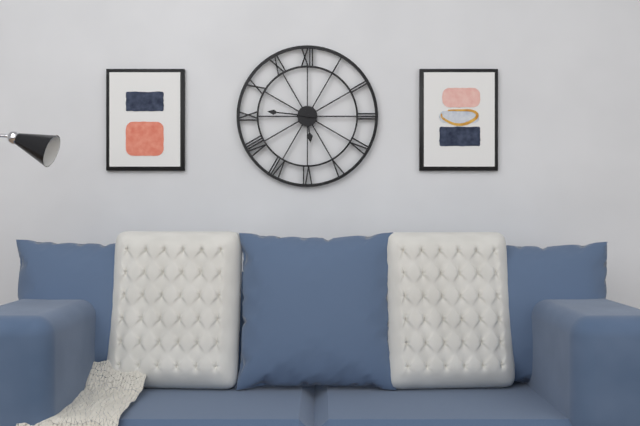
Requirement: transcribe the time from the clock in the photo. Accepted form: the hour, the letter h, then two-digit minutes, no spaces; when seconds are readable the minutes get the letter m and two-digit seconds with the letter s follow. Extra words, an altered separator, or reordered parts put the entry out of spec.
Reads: 5h46
